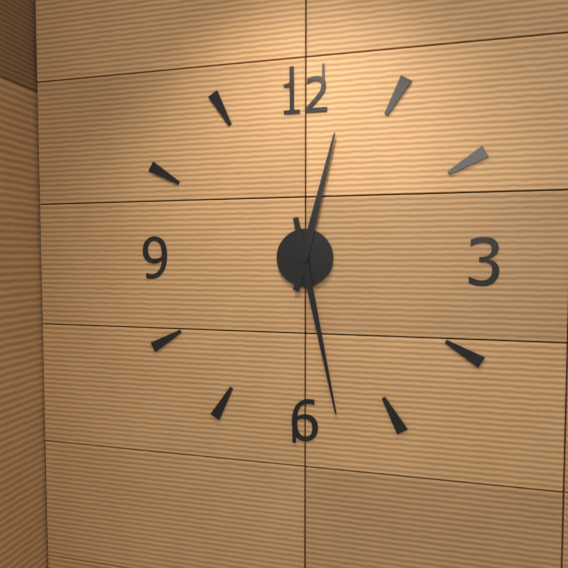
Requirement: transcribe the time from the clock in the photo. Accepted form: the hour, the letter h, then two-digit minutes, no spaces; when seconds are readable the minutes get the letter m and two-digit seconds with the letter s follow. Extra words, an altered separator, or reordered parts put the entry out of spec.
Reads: 12h28
